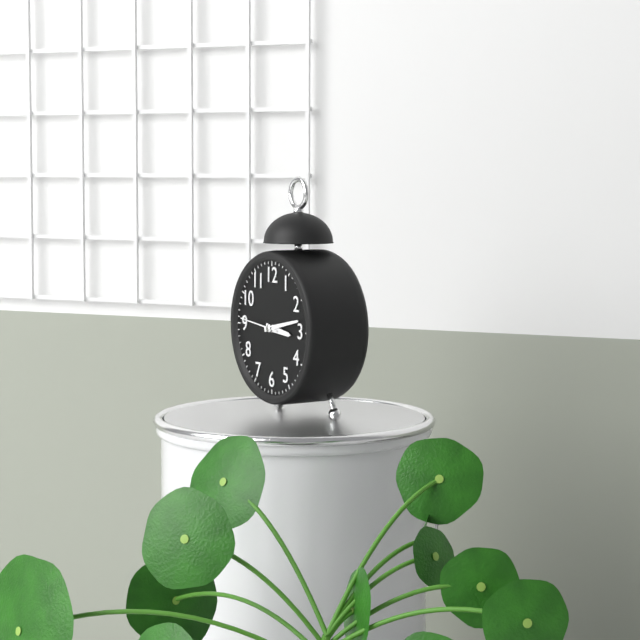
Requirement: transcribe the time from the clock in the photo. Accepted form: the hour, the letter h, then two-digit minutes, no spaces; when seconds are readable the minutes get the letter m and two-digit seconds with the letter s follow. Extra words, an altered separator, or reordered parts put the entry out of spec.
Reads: 3h13
